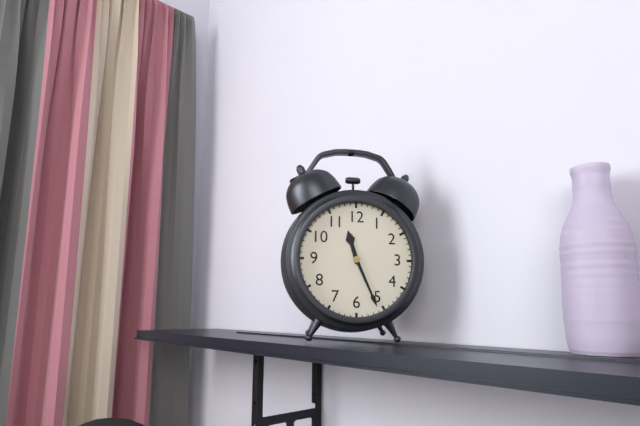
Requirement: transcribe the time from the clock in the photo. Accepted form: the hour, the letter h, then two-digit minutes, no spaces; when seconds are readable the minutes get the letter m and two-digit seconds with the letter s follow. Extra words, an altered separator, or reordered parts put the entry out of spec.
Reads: 11h26
